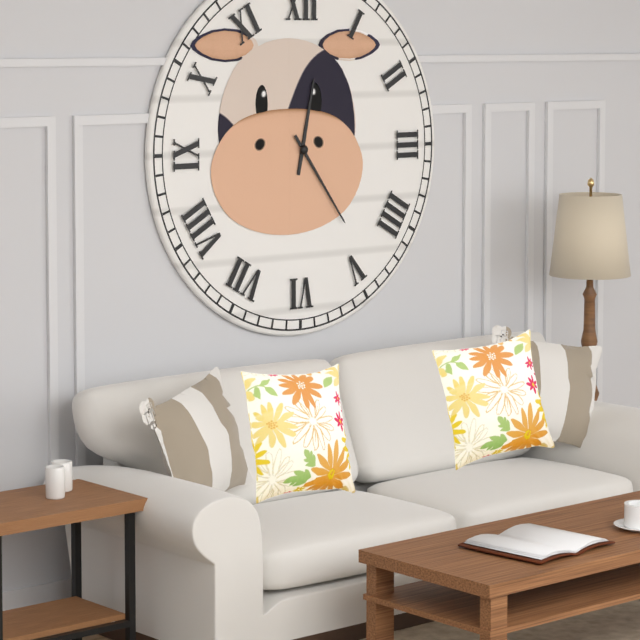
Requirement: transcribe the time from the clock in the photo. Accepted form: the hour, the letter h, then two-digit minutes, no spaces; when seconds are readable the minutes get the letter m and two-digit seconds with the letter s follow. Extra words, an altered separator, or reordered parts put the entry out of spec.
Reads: 12h24
